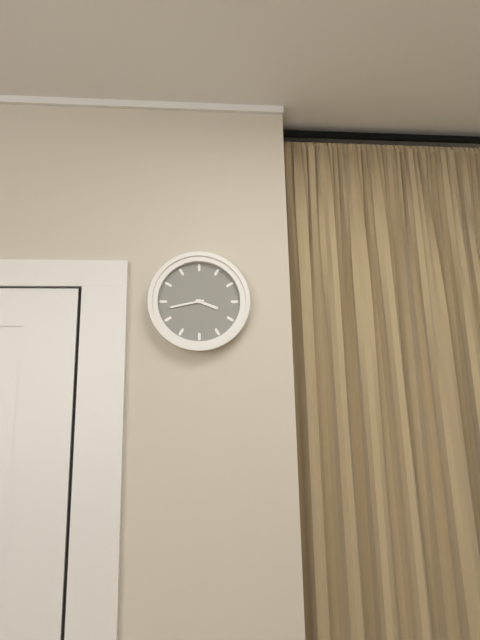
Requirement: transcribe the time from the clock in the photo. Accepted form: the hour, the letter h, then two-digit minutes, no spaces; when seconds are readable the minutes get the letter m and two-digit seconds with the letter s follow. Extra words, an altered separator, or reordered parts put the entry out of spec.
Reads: 3h43
